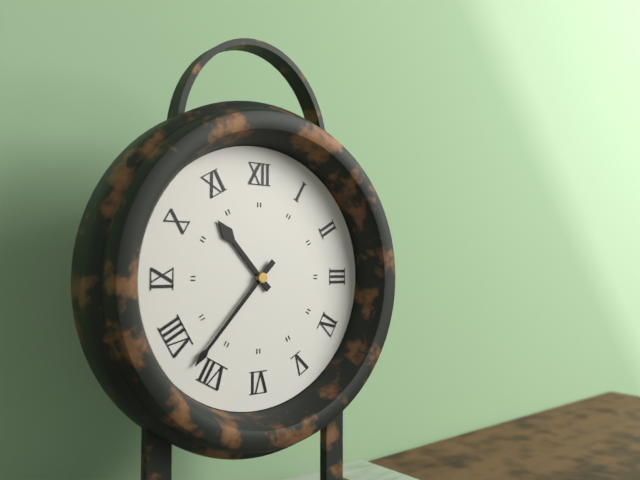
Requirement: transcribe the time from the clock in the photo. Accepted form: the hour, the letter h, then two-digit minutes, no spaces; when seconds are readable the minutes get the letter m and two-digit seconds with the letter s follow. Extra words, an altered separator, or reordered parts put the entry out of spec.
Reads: 10h37
